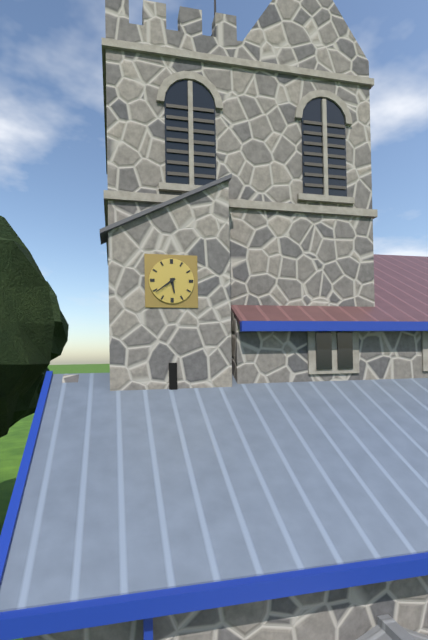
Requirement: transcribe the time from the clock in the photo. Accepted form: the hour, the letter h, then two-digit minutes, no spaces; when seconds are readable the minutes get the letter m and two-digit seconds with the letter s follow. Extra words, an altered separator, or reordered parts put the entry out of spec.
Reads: 5h39
